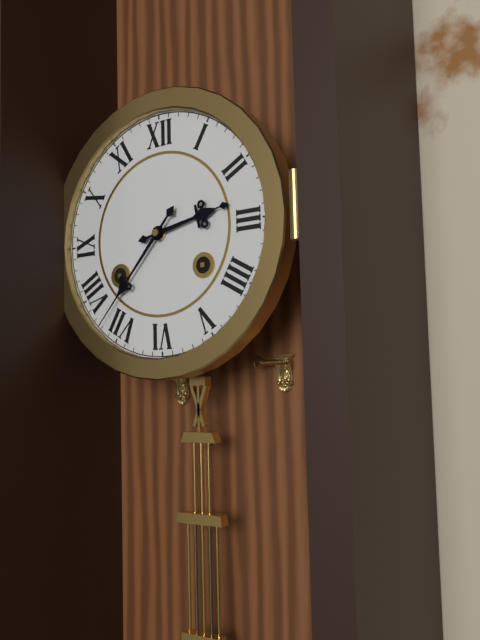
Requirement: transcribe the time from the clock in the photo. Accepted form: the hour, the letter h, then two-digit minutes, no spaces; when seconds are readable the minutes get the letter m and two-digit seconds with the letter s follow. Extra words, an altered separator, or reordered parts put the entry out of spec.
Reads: 2h37
